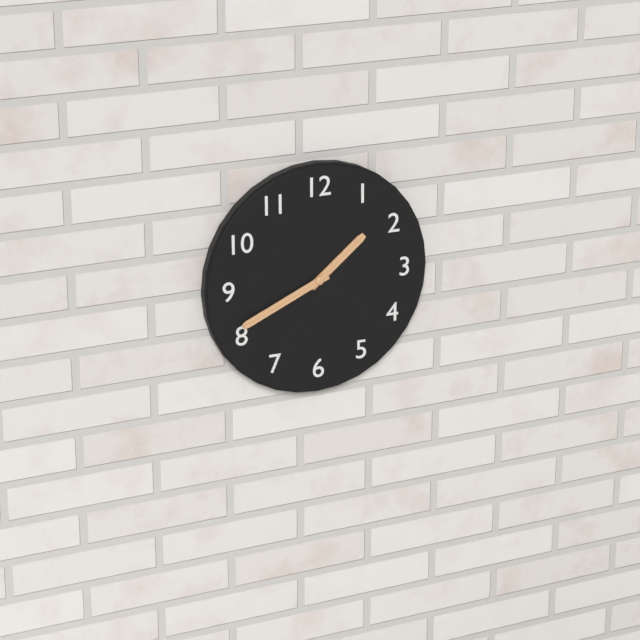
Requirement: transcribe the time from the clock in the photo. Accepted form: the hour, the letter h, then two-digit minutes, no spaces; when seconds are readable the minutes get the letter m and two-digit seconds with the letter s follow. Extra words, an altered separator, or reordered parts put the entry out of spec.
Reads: 1h41
